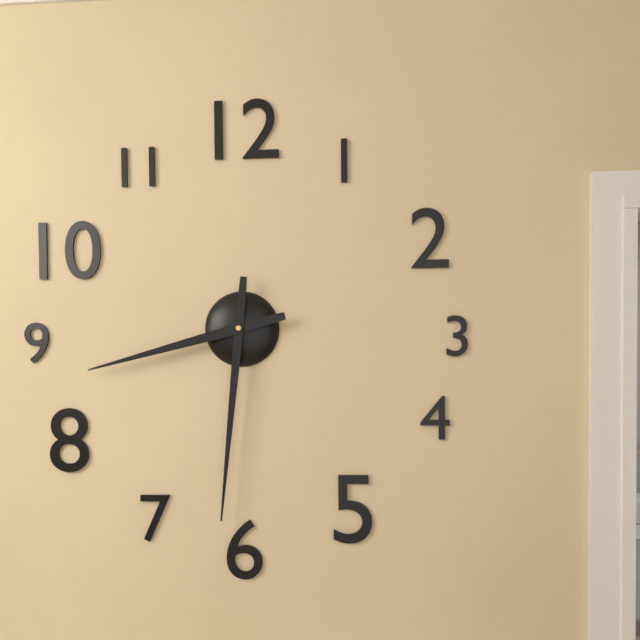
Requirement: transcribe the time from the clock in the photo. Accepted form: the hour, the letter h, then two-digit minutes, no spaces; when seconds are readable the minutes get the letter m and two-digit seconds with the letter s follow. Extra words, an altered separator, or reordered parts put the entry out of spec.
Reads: 8h31
